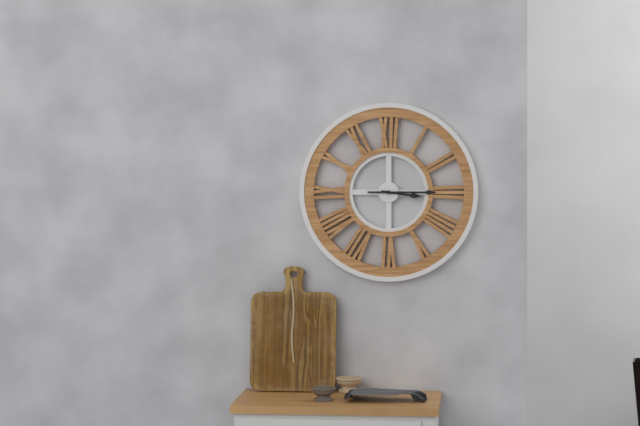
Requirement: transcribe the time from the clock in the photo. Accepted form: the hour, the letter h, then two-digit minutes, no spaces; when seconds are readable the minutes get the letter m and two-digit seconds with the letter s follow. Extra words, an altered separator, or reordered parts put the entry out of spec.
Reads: 3h15
